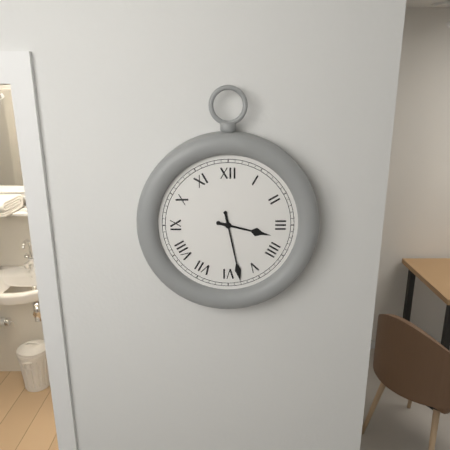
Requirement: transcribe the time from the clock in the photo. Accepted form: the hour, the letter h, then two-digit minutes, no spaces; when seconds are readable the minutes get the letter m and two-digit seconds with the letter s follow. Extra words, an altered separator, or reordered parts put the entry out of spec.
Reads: 3h28
